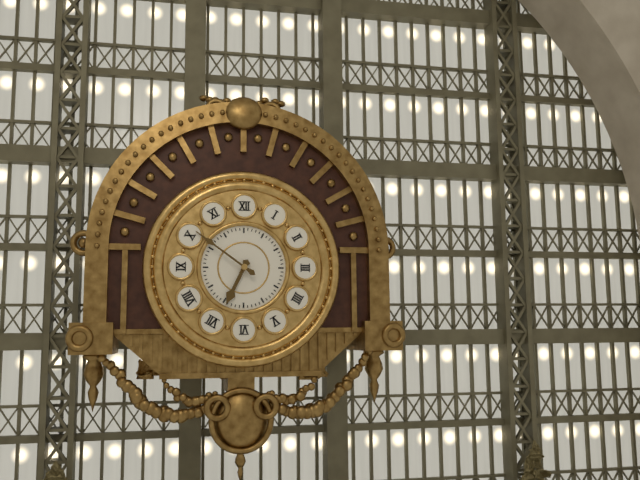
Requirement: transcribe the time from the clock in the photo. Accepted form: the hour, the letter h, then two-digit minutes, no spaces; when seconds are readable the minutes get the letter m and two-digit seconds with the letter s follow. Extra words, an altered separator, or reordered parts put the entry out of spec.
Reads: 6h51
